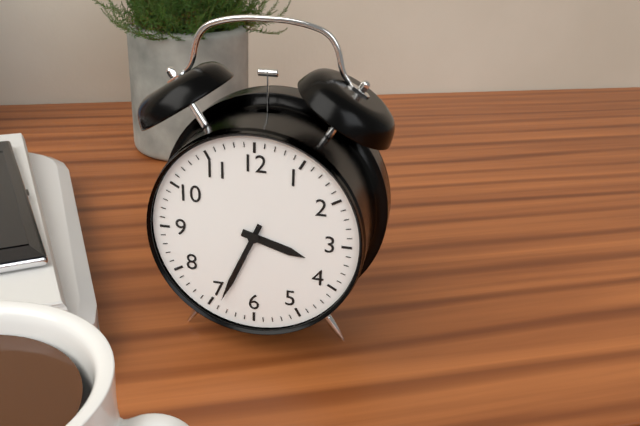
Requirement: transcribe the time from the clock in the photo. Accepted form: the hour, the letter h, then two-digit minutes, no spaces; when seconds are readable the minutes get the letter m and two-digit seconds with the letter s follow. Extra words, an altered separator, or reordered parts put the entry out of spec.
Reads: 3h34
